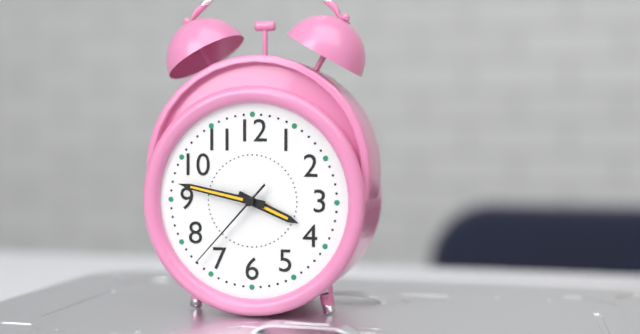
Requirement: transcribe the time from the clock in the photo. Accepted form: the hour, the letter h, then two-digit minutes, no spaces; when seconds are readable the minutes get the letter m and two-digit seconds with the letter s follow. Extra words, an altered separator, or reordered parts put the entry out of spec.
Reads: 3h47m37s
